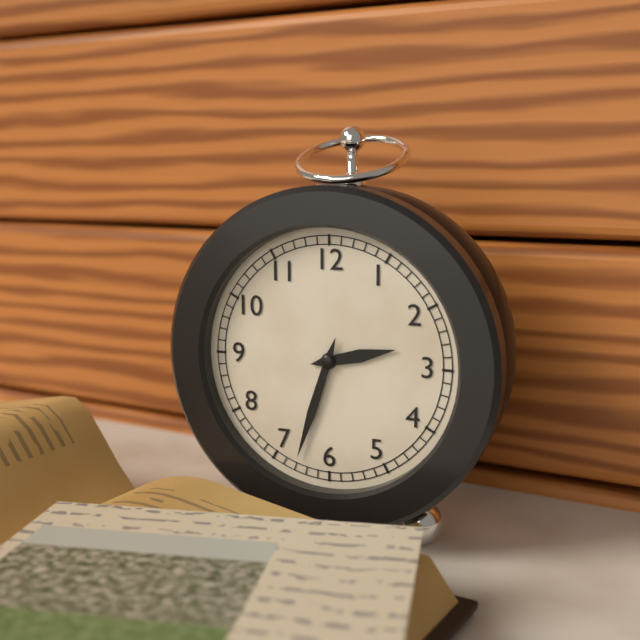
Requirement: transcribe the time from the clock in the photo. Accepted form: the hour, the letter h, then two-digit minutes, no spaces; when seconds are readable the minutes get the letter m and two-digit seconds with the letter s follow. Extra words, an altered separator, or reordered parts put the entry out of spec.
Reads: 2h33
